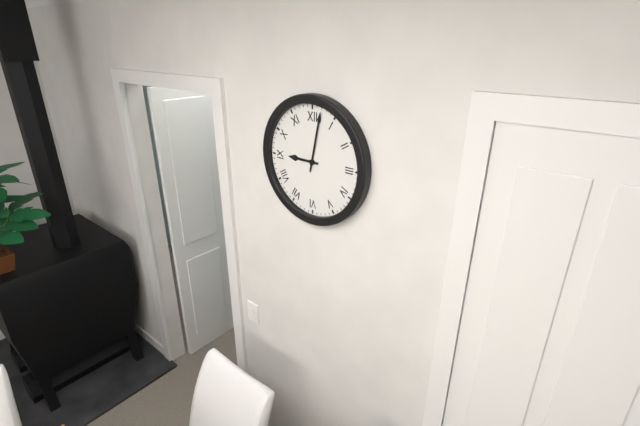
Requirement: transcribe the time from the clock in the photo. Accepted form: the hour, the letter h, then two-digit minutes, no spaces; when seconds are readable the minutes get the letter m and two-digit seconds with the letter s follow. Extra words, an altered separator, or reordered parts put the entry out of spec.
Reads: 9h02
